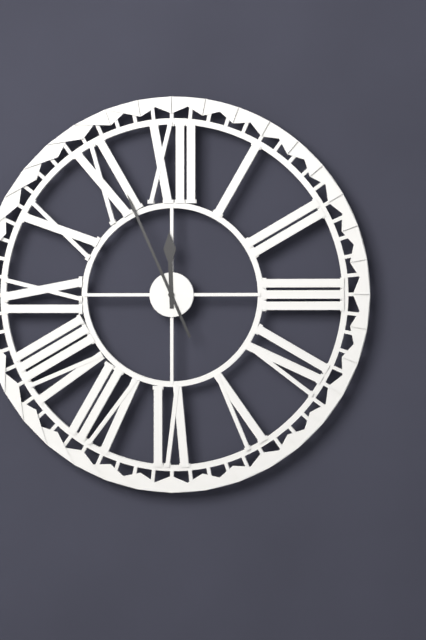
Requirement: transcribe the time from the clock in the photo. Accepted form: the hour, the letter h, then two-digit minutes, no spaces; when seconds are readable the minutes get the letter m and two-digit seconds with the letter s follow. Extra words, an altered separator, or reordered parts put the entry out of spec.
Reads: 11h56
